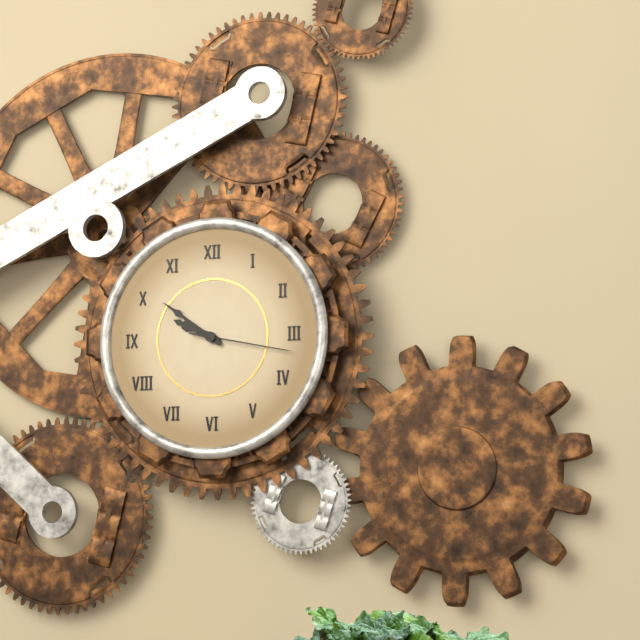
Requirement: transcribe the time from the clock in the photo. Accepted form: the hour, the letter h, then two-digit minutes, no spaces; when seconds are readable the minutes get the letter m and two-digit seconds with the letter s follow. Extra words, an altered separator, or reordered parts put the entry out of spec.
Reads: 9h51m17s
